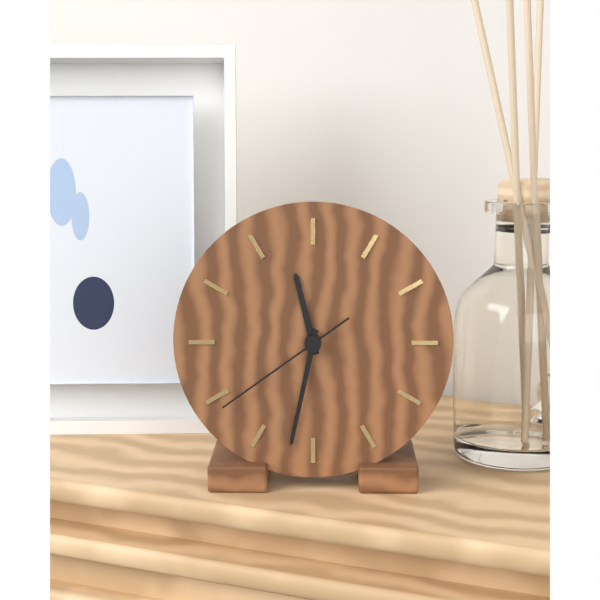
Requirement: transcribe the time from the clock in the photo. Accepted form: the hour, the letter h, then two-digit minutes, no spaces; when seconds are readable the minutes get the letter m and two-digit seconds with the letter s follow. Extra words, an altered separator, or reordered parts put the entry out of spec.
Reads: 11h32m39s
